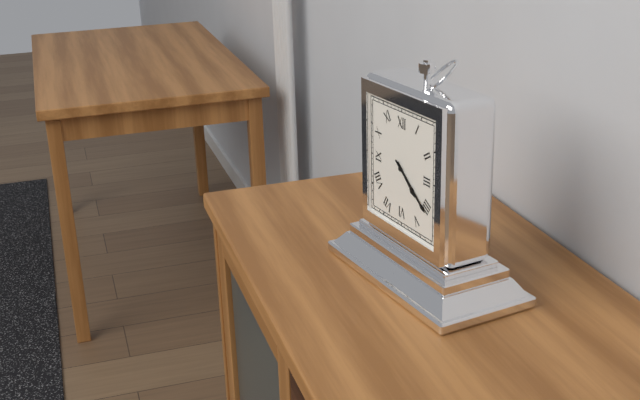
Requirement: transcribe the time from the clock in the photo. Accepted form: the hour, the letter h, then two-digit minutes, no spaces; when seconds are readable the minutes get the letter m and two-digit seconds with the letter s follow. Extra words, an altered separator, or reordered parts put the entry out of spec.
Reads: 4h21
